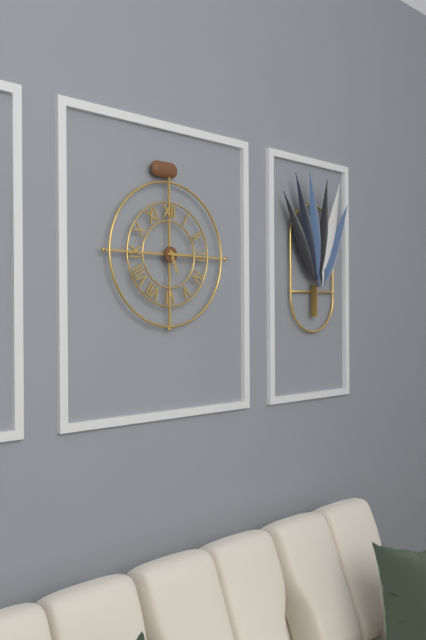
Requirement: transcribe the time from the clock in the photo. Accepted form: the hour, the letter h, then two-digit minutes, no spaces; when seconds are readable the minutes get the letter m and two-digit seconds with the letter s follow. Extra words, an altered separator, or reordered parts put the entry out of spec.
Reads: 5h15
